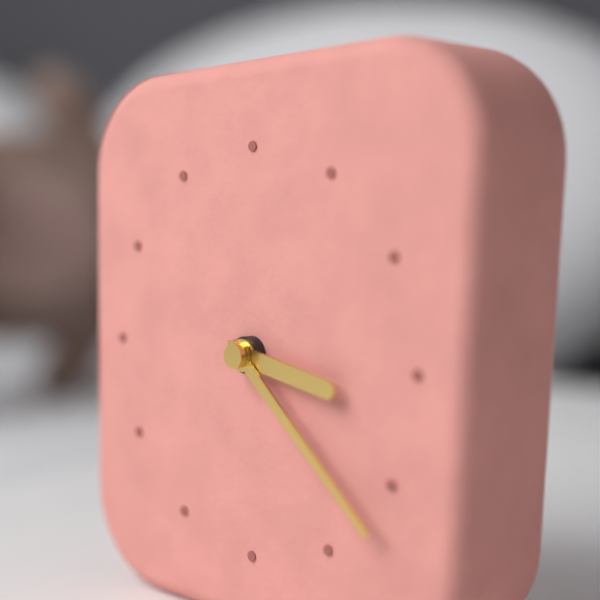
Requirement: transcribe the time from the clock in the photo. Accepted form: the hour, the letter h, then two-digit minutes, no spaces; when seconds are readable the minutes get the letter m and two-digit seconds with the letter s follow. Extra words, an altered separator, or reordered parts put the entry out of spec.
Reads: 3h22
